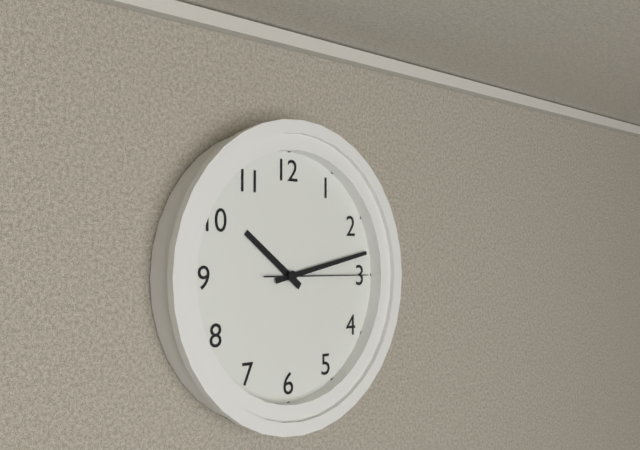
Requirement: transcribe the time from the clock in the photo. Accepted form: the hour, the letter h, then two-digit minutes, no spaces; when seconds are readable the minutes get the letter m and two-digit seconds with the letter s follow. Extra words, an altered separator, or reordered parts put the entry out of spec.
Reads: 10h13m15s
